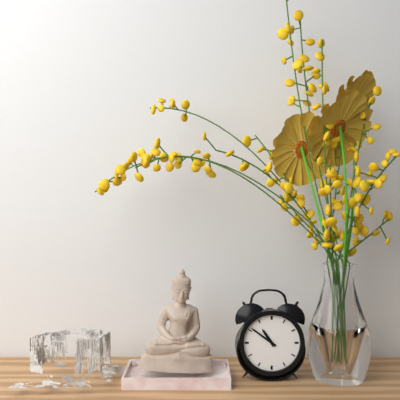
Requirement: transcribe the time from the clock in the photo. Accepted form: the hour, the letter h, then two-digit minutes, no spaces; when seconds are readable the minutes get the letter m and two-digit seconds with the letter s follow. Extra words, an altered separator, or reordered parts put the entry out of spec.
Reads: 10h51
